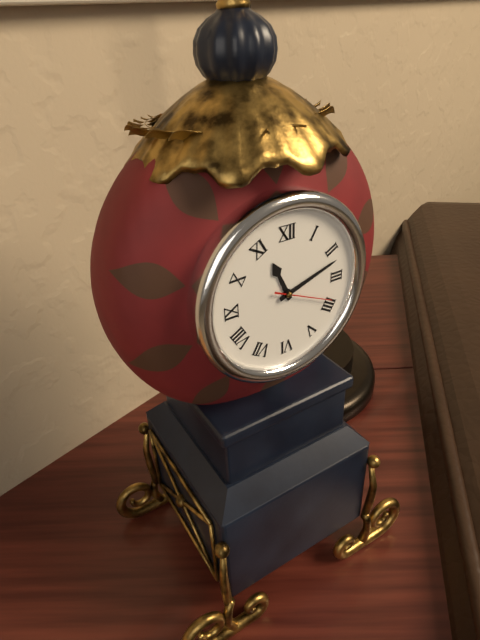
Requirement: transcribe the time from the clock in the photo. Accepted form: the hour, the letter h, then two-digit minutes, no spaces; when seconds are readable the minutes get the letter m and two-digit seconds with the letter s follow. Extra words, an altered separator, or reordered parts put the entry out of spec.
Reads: 11h12m19s
